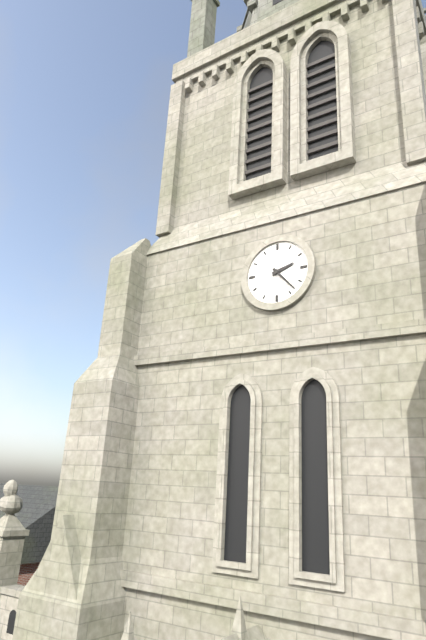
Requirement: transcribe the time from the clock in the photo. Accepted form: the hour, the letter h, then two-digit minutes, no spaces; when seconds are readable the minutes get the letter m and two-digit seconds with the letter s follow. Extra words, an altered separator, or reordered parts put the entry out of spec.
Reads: 2h23
